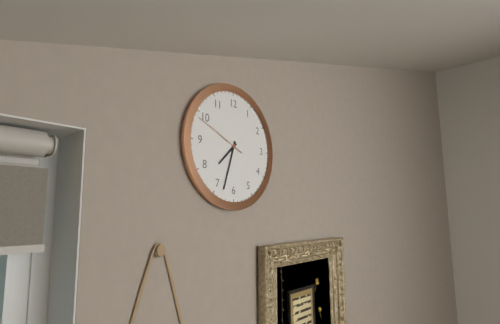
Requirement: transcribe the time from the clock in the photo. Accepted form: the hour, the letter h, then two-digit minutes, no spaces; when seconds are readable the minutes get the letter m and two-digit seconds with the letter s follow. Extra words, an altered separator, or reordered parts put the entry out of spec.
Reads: 7h33m49s
